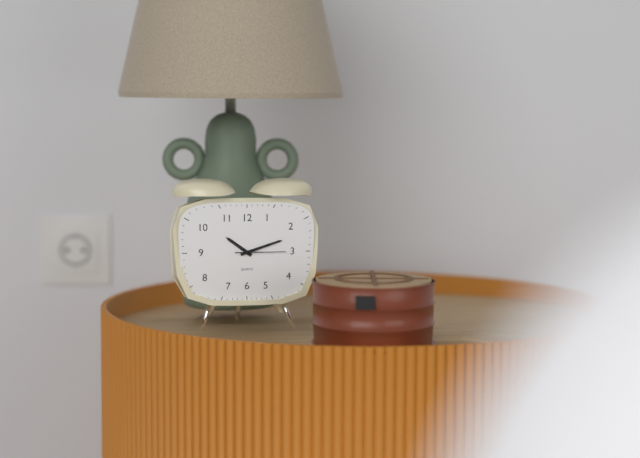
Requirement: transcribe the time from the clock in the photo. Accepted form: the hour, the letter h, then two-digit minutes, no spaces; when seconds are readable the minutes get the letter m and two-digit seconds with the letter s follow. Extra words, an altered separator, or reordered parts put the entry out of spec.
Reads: 10h12
